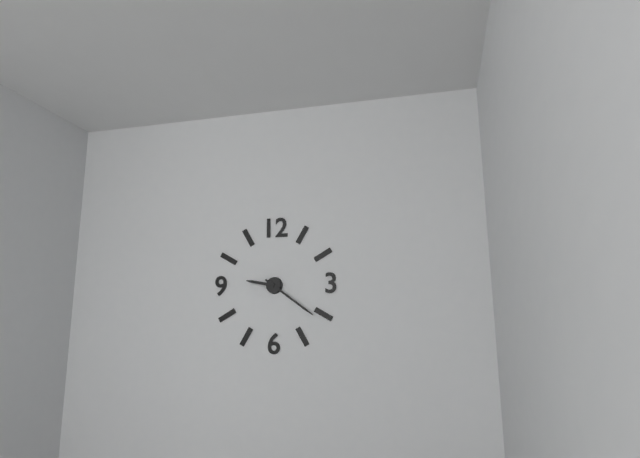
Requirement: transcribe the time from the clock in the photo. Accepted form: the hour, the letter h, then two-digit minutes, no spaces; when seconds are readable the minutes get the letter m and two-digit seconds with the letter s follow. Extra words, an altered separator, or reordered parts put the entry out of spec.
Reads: 9h21
